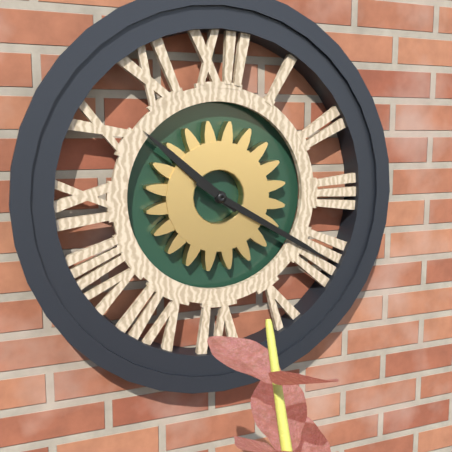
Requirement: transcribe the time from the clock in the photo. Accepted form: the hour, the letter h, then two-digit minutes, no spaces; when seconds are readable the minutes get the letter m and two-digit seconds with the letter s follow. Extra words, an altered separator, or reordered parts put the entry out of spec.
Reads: 10h20
